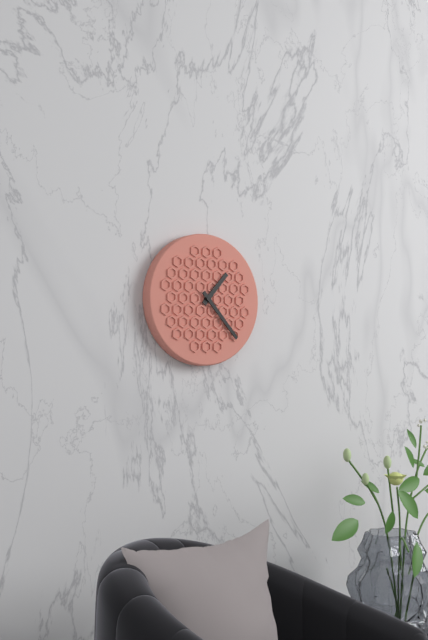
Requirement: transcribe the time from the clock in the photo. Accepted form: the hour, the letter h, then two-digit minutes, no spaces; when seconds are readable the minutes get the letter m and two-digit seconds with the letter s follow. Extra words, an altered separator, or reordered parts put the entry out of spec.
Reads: 1h23
